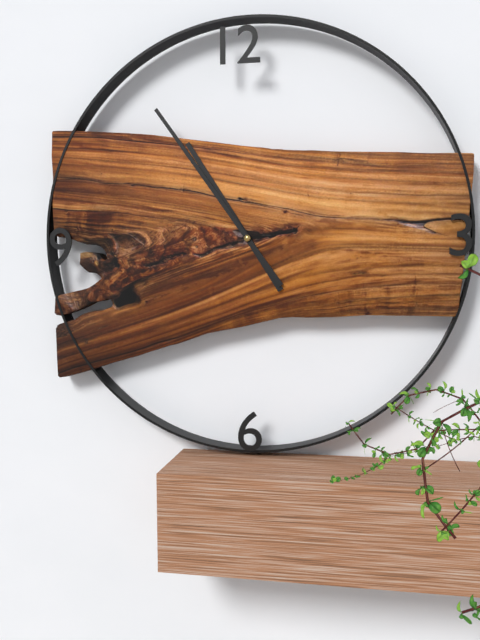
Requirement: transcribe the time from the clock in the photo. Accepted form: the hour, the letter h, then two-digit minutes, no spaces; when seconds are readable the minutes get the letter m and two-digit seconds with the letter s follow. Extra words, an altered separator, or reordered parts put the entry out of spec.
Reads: 10h54
